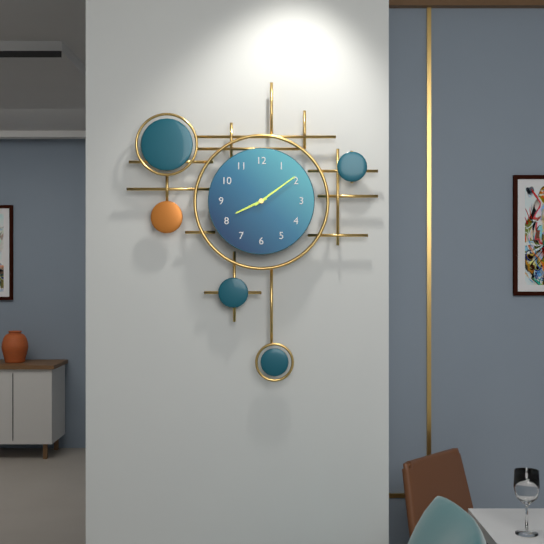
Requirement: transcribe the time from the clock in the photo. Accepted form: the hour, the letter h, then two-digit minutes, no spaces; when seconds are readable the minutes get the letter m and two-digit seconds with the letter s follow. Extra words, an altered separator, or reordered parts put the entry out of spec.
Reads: 8h09
